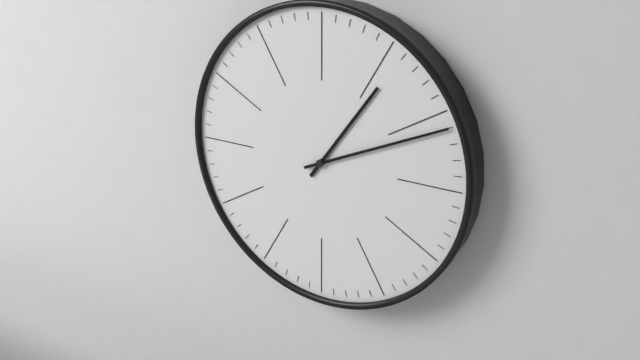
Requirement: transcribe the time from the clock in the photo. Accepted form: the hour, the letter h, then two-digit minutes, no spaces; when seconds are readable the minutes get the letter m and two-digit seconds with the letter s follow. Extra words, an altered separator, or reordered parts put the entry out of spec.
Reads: 1h11
